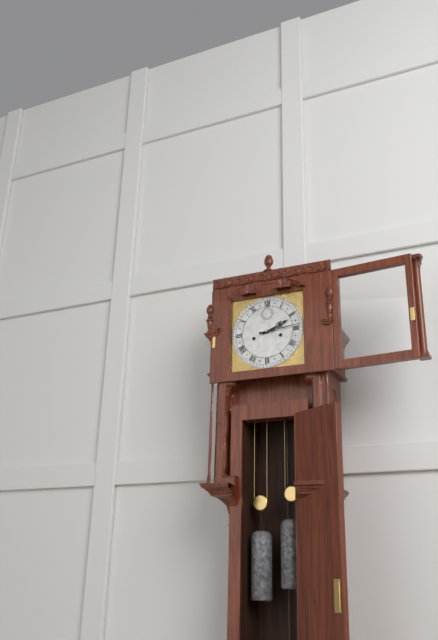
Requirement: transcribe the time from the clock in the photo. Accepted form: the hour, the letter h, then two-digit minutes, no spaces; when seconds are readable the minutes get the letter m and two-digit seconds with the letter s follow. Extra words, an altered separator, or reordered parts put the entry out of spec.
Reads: 2h14
